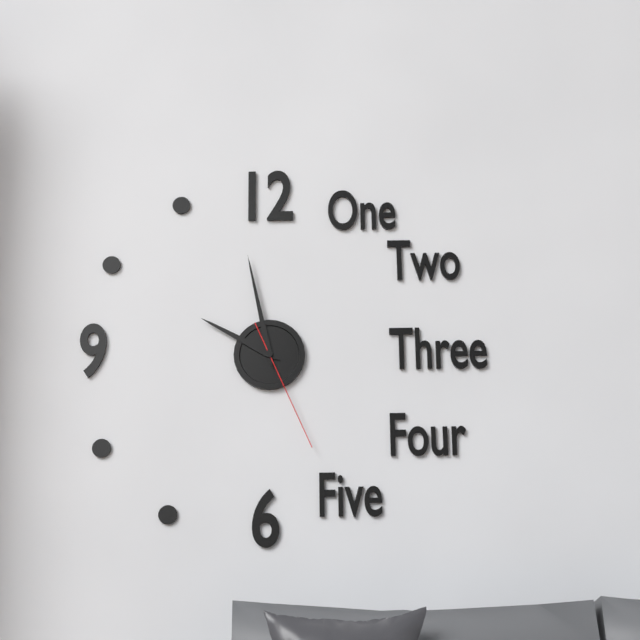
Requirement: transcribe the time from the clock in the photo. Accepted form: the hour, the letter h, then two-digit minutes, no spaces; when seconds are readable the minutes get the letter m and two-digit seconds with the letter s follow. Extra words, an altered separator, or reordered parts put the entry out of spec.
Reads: 9h58m26s
